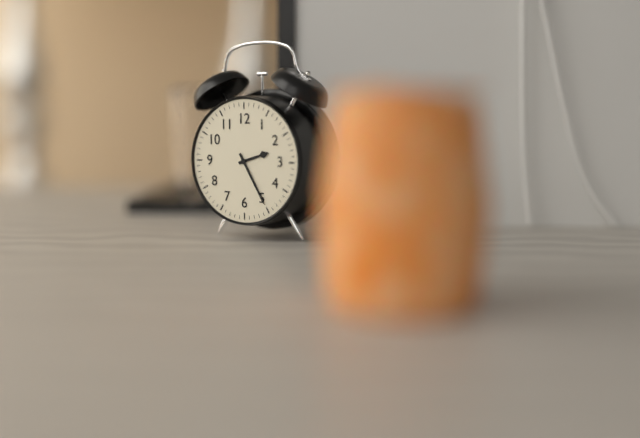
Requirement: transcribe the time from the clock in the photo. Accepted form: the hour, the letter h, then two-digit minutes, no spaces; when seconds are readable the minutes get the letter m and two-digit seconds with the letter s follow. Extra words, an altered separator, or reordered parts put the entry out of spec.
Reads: 2h25
